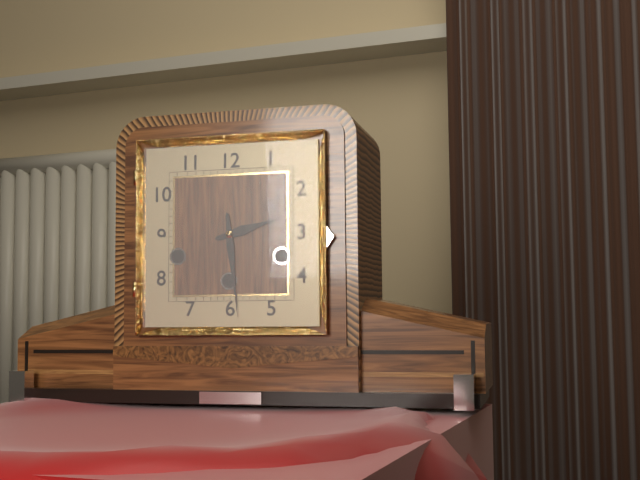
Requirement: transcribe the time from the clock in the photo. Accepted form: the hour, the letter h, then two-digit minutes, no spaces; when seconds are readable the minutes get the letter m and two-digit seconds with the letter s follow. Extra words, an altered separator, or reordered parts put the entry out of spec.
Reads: 2h29
